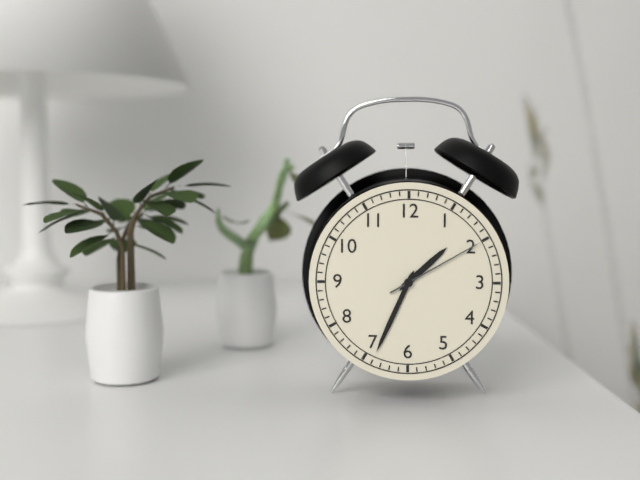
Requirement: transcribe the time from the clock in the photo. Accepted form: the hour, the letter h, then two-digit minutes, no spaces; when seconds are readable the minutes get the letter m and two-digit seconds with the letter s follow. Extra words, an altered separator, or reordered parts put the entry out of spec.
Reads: 1h34m10s
